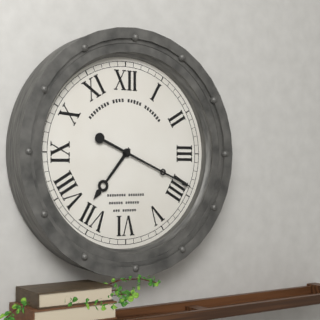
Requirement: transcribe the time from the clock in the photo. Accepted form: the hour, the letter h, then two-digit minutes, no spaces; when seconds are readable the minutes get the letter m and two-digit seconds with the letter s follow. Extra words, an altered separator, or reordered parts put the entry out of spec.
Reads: 7h19
